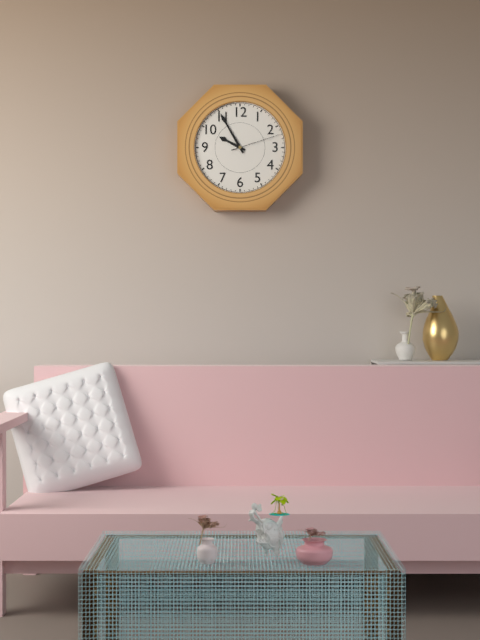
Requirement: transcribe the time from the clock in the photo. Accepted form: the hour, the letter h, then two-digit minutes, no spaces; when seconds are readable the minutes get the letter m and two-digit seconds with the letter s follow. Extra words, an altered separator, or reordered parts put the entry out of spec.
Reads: 9h55m12s
